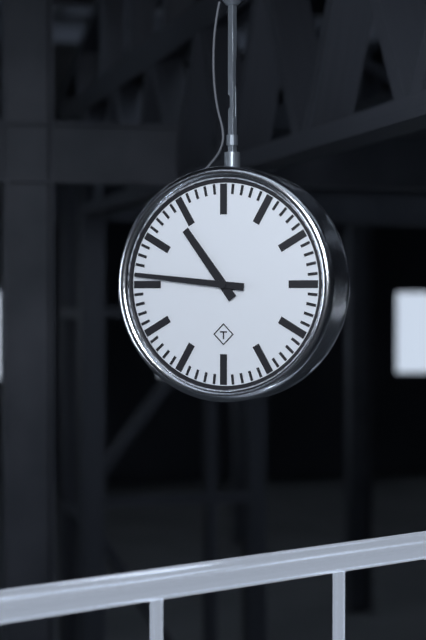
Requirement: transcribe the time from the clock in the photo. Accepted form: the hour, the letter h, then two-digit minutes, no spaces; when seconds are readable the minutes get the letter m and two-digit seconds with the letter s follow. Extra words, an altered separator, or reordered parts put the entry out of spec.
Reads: 10h46
